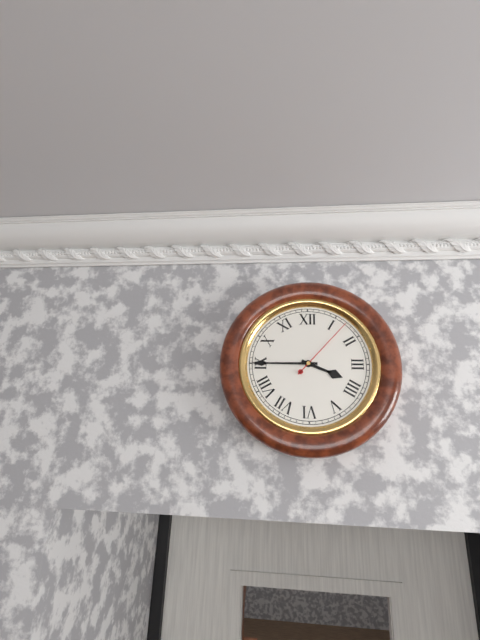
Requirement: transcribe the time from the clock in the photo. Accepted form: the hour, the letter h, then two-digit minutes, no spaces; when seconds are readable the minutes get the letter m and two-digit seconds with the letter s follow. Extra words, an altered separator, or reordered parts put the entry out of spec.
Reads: 3h45m07s
